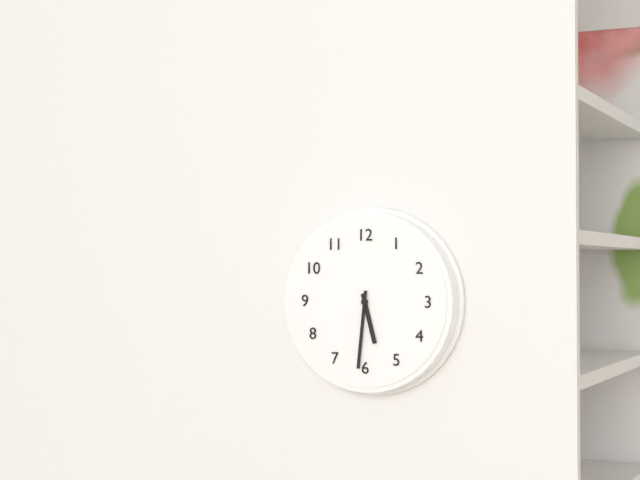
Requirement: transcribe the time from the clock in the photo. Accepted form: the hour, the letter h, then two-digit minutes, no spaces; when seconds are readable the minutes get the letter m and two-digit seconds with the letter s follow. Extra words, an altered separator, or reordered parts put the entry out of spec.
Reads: 5h31
